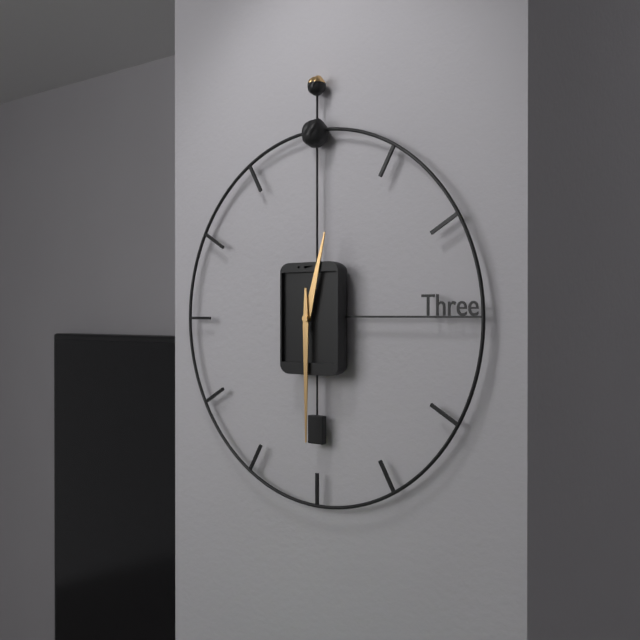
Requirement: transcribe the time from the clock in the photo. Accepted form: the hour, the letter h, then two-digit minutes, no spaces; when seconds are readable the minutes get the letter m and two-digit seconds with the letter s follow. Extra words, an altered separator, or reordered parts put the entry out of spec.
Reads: 12h30
